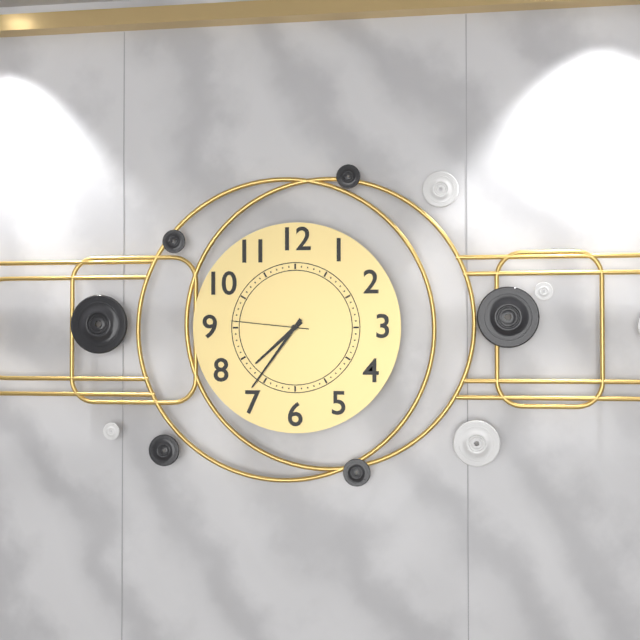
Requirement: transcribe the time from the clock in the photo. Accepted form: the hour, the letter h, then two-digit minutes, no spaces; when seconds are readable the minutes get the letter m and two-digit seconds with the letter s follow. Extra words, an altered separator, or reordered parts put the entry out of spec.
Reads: 7h36m46s
